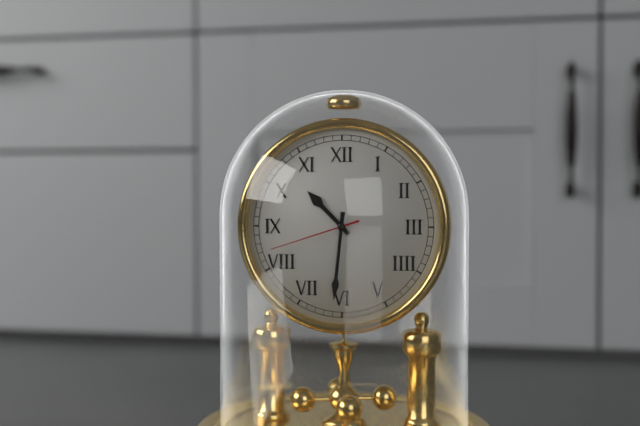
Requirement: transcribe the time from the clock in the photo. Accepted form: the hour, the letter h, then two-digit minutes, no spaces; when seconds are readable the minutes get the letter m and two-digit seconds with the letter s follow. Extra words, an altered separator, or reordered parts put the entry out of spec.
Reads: 10h31m42s
